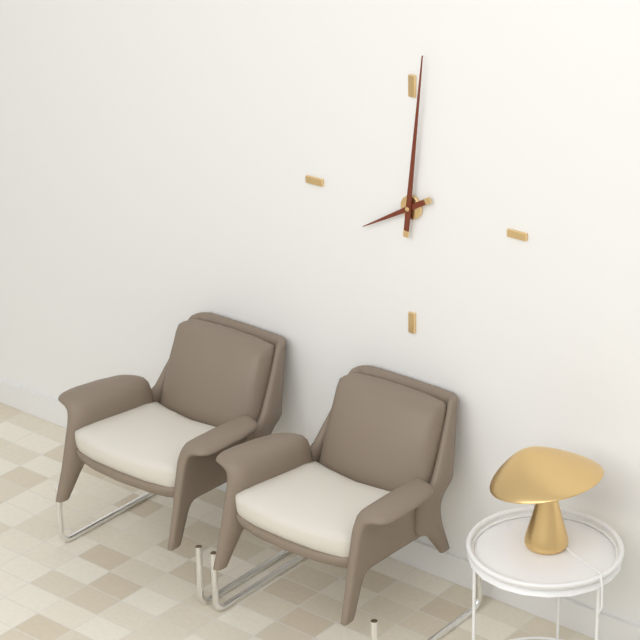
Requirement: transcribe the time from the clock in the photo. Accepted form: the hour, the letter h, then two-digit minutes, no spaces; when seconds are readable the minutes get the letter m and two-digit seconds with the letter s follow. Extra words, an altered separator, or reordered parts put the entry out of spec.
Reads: 8h01
